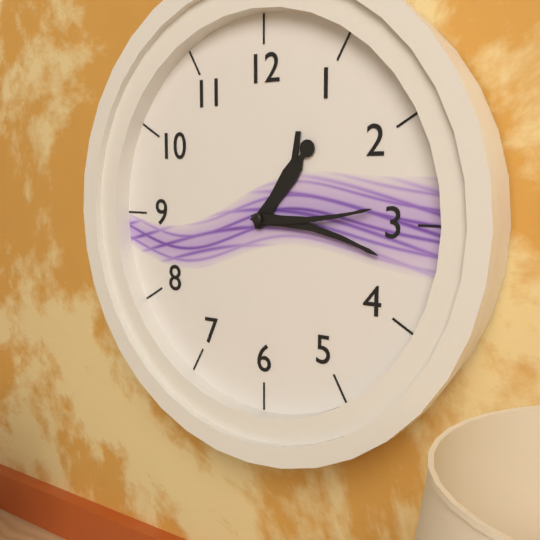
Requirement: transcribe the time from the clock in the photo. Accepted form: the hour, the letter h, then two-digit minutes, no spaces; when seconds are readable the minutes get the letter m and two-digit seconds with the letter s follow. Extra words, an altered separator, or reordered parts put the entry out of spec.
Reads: 1h17m14s
